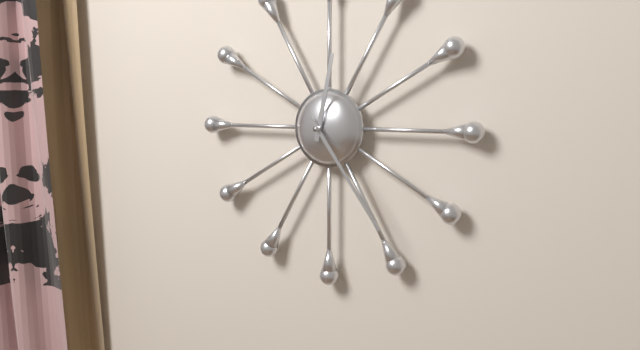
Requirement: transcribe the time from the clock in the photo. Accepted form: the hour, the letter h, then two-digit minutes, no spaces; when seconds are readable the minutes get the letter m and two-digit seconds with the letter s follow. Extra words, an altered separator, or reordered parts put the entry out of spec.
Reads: 12h24
